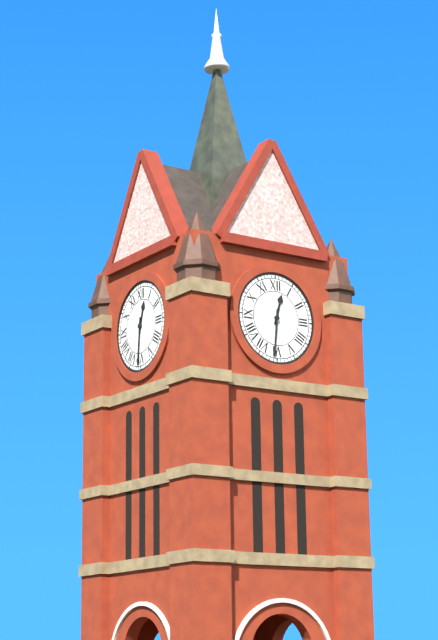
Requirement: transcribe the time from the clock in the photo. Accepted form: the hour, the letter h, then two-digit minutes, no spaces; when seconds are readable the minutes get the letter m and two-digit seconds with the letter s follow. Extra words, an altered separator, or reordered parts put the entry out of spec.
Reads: 12h31
